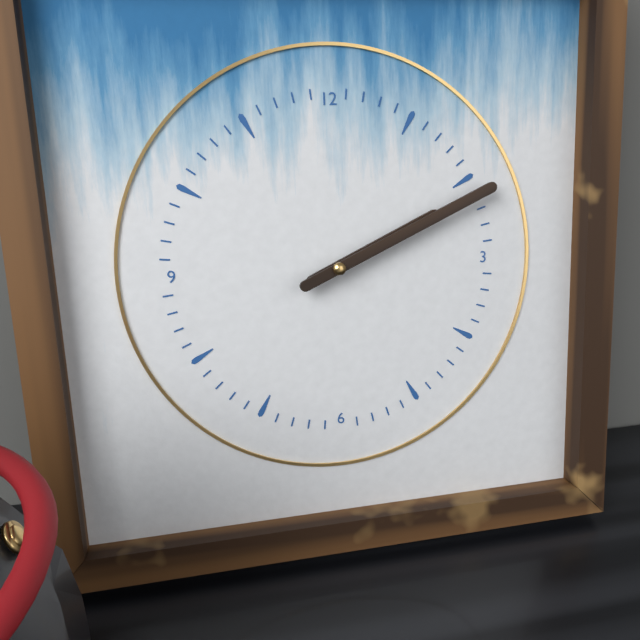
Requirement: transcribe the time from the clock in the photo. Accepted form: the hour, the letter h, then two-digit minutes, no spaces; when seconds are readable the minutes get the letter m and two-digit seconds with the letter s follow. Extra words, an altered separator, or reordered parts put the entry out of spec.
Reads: 2h11
